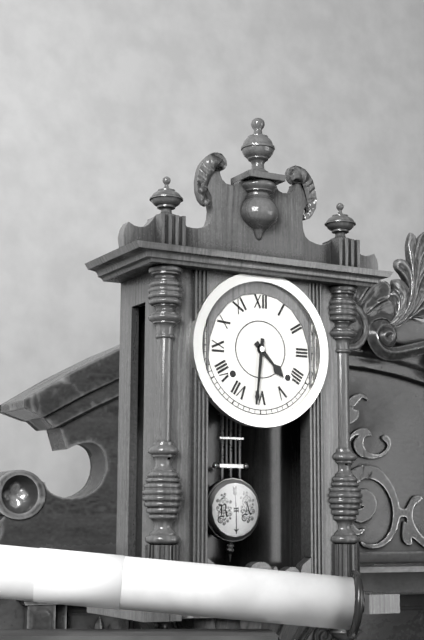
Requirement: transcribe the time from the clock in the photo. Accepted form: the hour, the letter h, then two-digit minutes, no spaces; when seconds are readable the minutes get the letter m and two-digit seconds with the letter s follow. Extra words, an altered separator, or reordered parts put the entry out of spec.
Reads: 4h31
